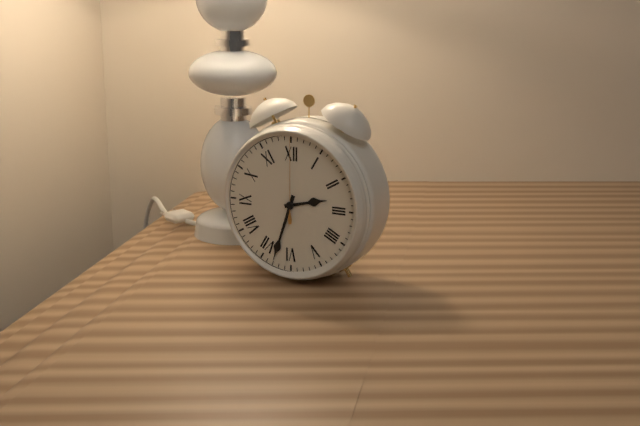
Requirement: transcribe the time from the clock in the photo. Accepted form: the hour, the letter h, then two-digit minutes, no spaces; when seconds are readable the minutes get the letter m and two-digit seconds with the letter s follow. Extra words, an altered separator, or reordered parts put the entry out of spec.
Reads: 2h33m00s
